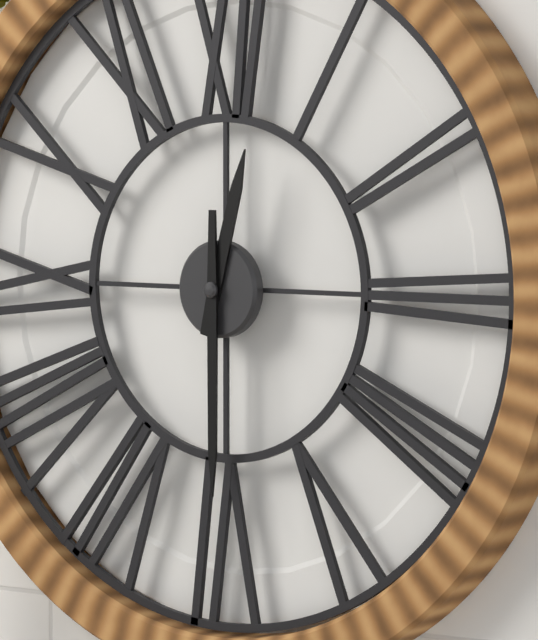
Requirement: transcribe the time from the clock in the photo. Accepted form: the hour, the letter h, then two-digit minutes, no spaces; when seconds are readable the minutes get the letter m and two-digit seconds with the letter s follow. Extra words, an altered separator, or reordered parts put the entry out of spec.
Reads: 12h30
